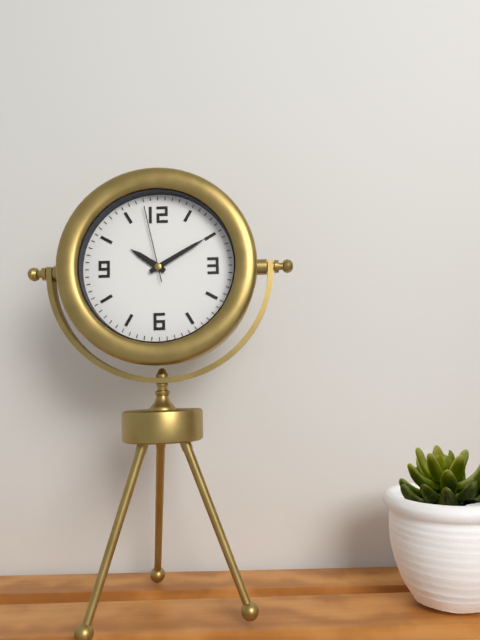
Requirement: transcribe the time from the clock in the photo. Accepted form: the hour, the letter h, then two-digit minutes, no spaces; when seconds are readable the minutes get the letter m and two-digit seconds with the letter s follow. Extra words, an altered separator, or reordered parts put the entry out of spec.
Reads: 10h10m58s
